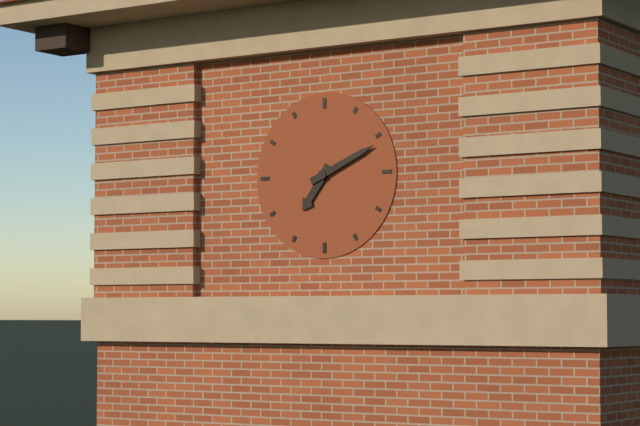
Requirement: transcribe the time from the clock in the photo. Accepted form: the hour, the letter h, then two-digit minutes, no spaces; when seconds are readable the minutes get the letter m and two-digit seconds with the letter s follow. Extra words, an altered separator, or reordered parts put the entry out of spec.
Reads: 7h11
